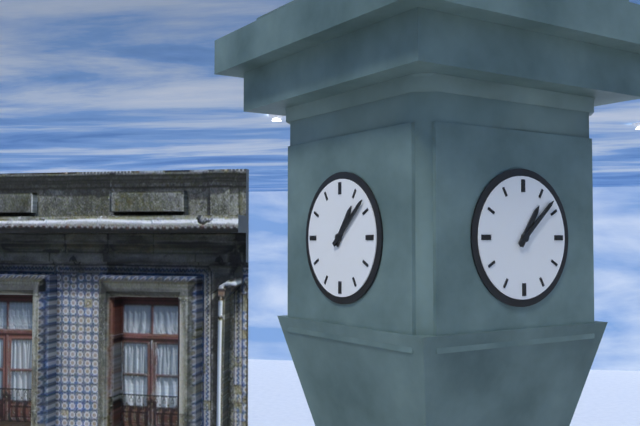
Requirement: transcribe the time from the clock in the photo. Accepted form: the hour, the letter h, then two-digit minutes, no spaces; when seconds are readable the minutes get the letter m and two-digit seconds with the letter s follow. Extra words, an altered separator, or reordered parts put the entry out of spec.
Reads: 1h08
